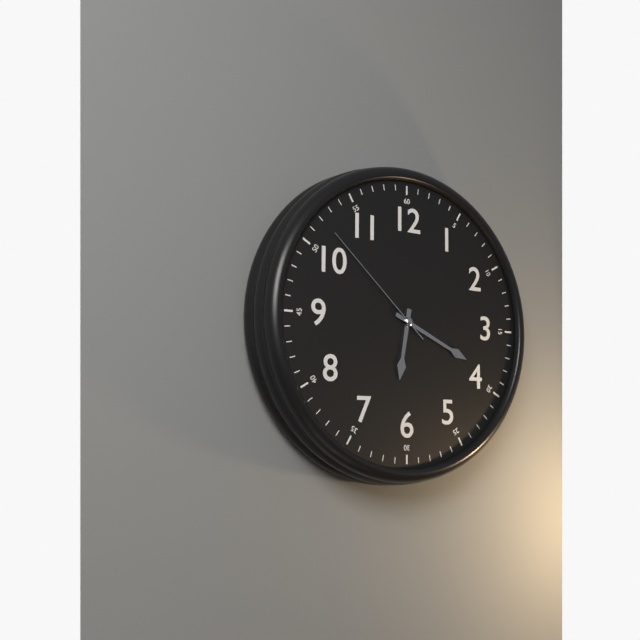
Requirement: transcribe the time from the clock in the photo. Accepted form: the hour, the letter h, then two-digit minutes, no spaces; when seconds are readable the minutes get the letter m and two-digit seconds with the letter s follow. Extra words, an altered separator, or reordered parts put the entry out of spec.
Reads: 6h19m52s
